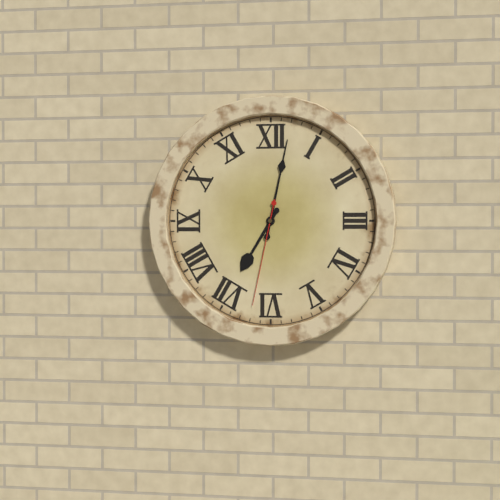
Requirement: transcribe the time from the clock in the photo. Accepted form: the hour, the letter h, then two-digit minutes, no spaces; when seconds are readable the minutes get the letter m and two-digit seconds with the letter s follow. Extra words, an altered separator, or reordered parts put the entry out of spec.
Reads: 7h02m32s
